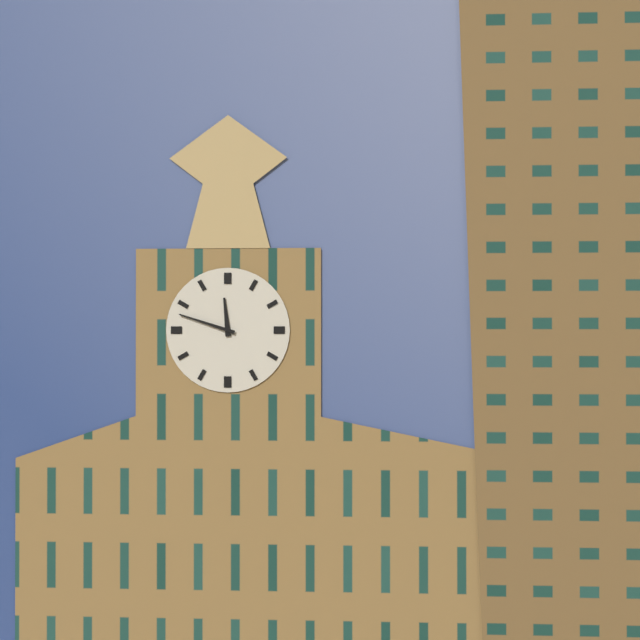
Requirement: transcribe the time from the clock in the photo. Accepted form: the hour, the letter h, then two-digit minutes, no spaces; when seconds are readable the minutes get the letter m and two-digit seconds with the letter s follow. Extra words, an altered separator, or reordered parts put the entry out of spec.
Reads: 11h48
